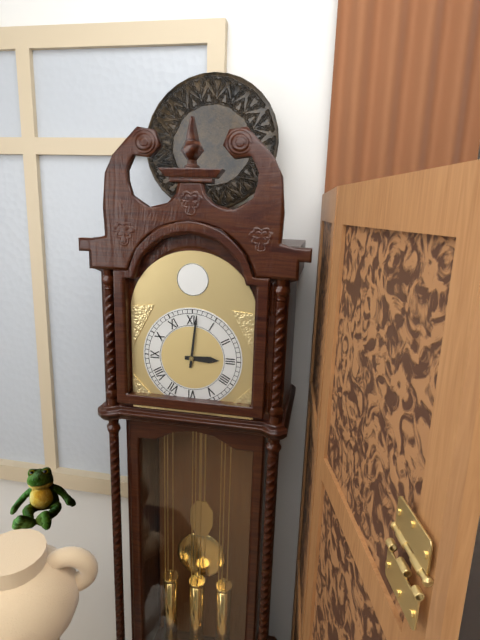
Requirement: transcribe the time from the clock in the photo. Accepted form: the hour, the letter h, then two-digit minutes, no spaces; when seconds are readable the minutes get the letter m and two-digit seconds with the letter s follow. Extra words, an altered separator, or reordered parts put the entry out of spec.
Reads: 3h01
